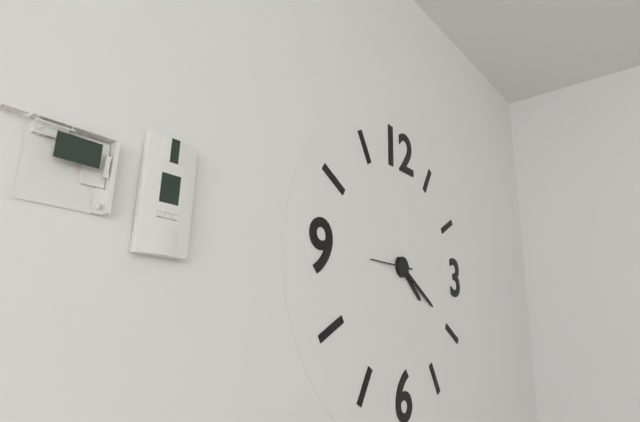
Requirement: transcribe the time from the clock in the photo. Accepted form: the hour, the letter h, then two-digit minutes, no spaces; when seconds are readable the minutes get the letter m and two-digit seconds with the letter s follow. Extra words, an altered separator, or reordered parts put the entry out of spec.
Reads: 4h20
